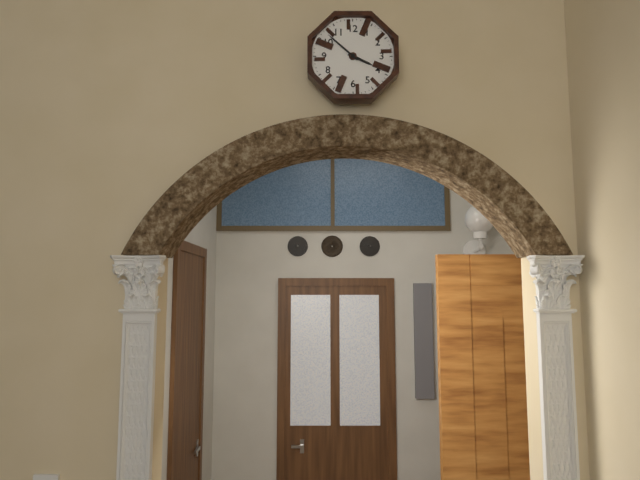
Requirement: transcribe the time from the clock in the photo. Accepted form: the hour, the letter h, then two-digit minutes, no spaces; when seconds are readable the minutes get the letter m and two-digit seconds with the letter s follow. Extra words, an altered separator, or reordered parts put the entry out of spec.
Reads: 3h52
